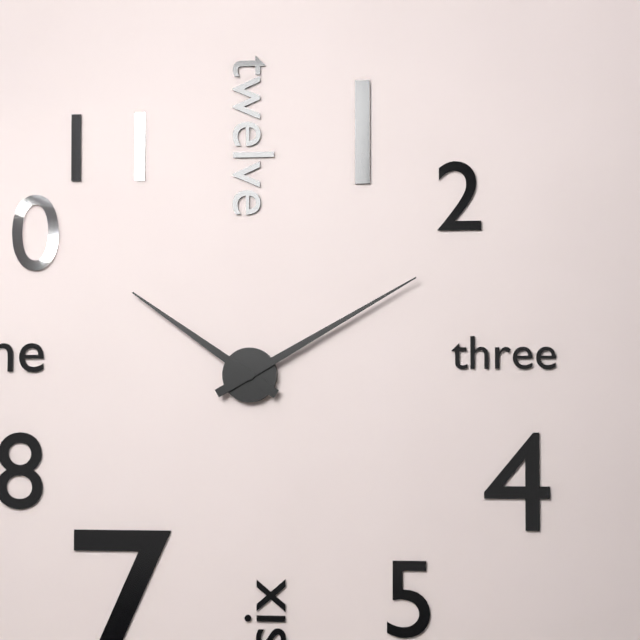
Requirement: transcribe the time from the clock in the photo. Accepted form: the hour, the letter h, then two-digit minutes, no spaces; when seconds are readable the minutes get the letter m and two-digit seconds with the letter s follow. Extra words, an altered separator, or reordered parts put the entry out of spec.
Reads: 10h10
